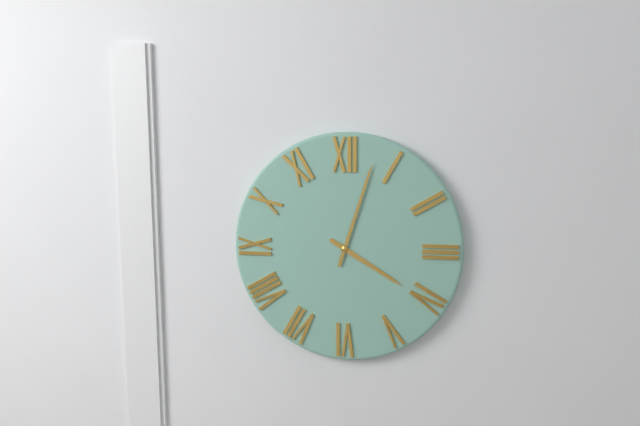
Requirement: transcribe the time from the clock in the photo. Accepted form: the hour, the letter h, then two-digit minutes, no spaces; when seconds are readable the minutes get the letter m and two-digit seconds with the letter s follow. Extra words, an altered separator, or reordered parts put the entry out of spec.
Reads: 4h03
